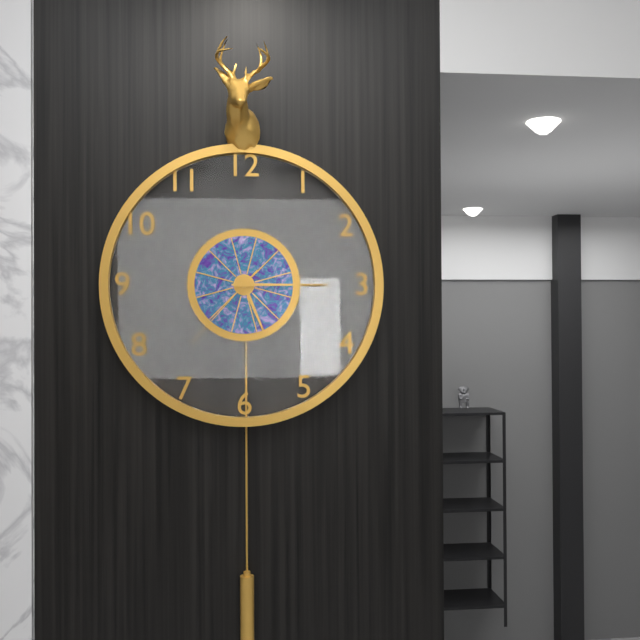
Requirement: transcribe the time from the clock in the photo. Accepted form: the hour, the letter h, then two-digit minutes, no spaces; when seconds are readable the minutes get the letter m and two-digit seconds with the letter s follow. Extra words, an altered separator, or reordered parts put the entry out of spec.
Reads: 5h15m37s
